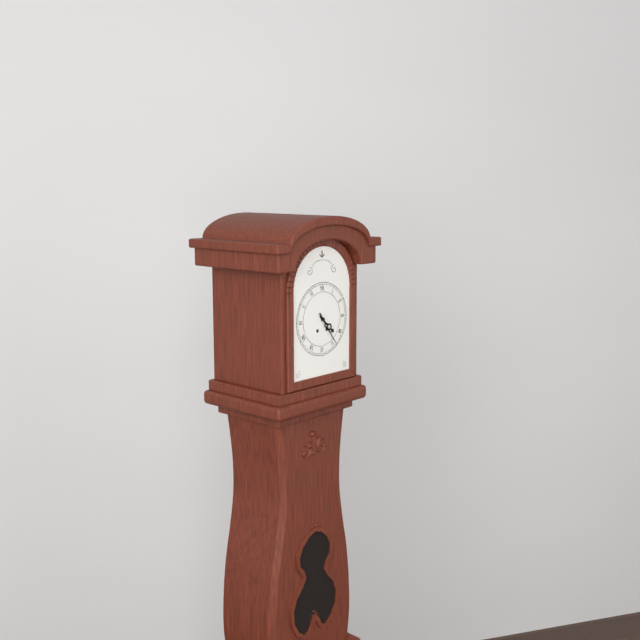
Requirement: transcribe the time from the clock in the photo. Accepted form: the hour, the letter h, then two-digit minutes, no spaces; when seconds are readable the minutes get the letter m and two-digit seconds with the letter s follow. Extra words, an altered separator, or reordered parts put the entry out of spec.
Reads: 4h24
